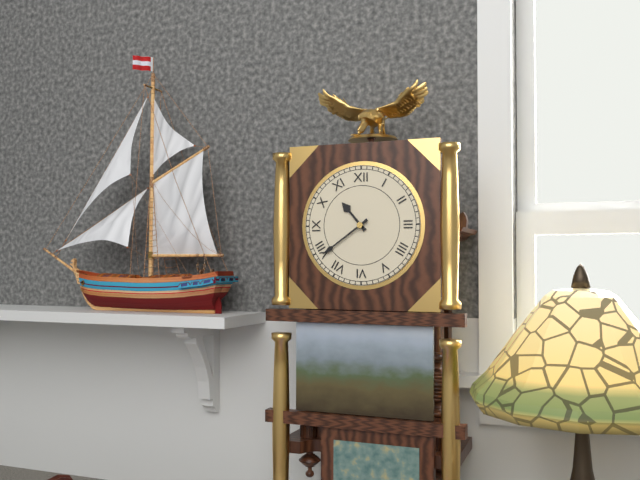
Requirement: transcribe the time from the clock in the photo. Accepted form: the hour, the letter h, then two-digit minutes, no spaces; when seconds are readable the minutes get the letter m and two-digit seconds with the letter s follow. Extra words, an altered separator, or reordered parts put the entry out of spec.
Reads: 10h39
